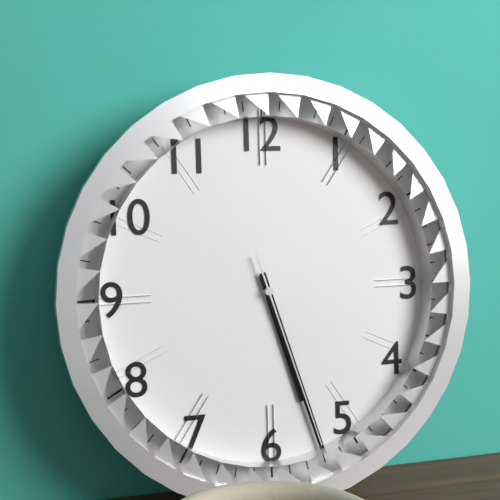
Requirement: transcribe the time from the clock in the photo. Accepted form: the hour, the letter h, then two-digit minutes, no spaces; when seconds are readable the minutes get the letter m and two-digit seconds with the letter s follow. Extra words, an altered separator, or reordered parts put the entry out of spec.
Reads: 5h27m27s
